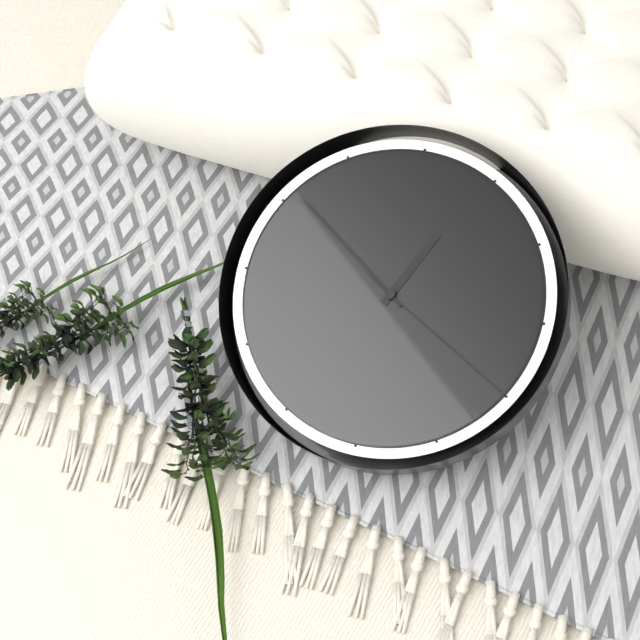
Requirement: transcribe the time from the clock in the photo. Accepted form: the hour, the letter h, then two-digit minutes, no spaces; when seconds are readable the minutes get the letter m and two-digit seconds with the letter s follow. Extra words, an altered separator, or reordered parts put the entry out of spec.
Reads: 12h51m20s
